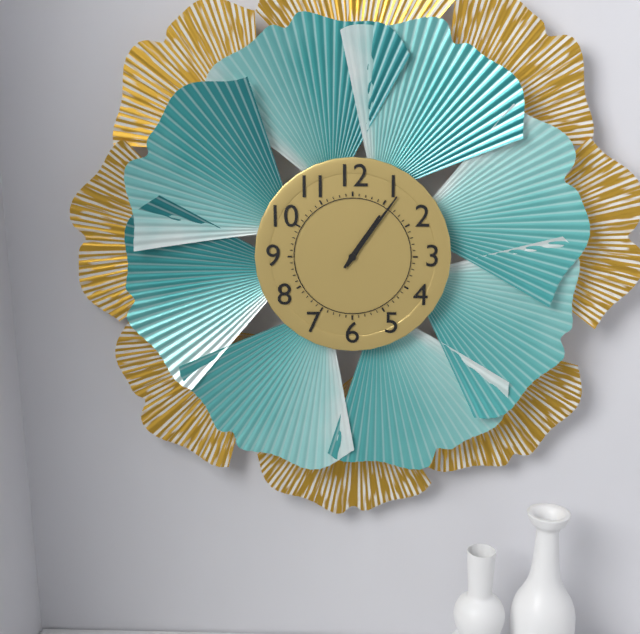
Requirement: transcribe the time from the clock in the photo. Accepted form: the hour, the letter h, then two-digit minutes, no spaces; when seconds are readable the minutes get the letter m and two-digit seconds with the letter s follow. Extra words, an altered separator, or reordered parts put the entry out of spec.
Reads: 1h06
